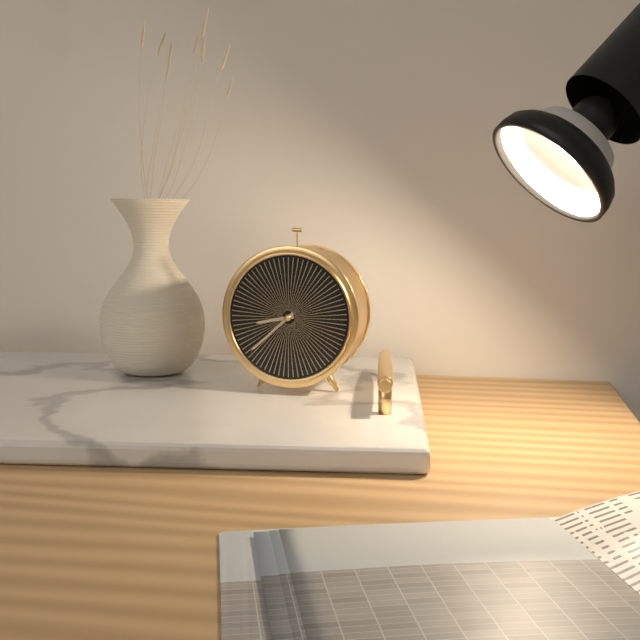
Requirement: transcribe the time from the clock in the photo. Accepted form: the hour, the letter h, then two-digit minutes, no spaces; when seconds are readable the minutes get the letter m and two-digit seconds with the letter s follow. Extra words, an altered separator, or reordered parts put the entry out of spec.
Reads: 8h38
